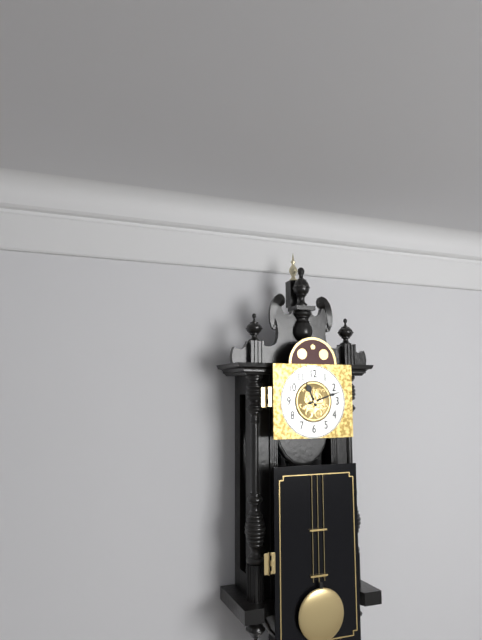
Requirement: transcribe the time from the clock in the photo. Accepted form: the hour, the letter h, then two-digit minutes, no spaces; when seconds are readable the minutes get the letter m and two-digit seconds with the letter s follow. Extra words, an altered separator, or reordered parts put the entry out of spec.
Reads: 11h12
